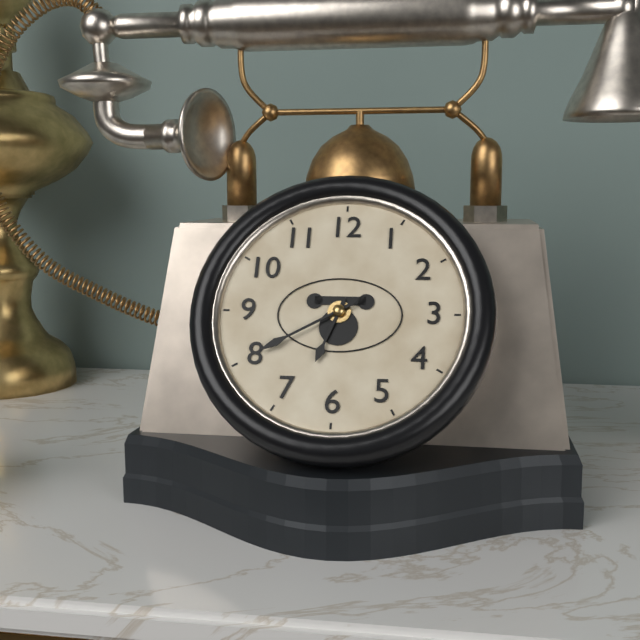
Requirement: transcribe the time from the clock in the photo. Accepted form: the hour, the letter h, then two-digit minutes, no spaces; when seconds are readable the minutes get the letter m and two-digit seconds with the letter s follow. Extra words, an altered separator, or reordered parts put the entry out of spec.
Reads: 6h40
